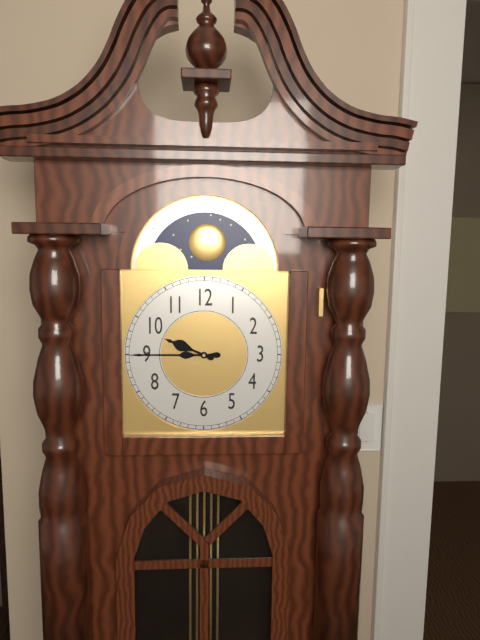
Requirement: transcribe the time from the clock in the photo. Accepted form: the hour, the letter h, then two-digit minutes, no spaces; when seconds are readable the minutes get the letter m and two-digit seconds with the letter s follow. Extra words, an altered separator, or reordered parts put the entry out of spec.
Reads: 9h45
